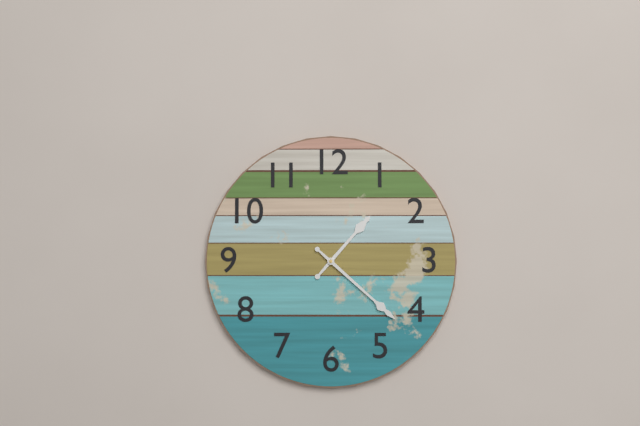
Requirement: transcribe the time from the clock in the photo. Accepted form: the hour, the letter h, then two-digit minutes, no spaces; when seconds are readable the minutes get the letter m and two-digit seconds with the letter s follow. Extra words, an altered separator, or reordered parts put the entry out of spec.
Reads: 1h22
